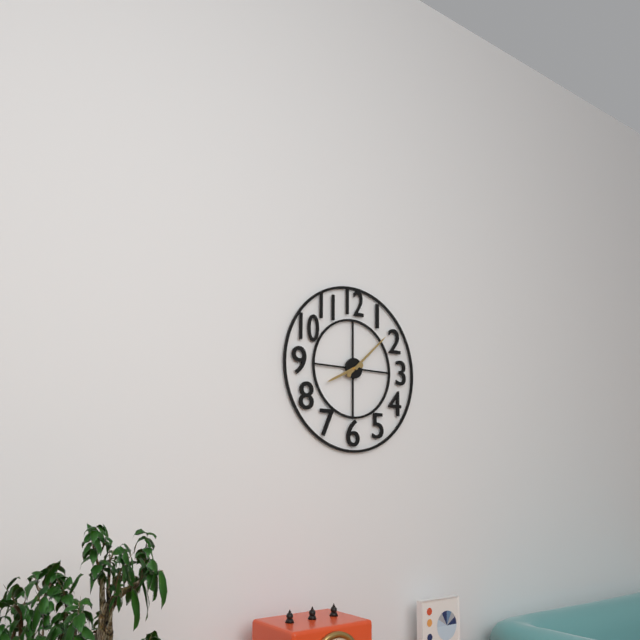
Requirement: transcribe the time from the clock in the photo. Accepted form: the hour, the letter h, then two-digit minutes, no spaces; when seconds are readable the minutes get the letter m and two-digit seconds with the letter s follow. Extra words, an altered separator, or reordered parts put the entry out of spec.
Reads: 8h08
